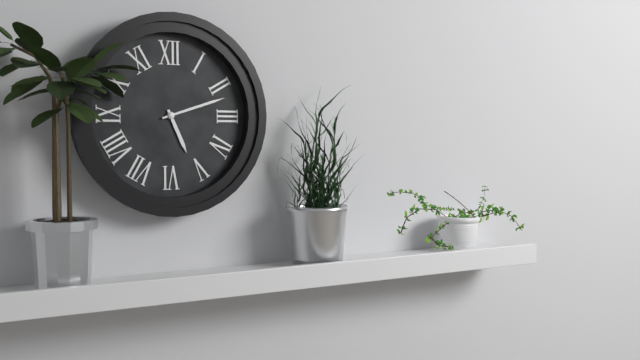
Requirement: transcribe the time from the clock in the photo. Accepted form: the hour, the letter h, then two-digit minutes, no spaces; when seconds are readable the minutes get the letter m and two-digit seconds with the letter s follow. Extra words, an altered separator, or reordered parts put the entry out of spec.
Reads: 5h12
